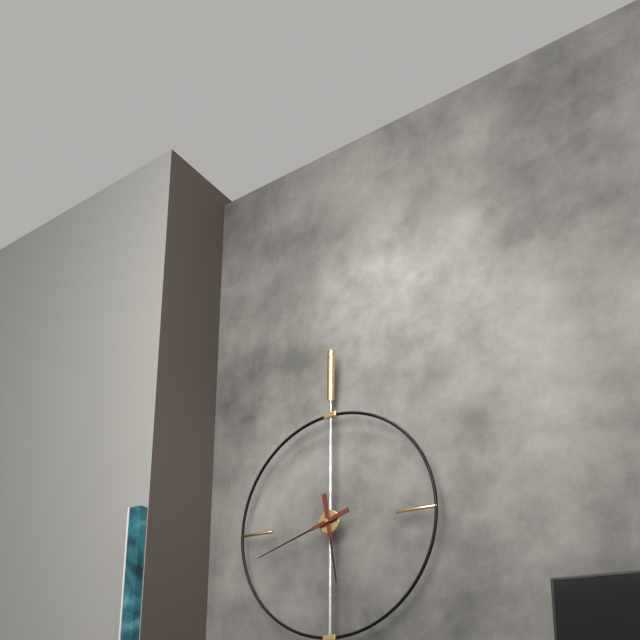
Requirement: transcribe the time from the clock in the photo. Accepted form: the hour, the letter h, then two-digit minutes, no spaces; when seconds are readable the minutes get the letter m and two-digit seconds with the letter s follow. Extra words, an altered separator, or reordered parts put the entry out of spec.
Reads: 5h42
